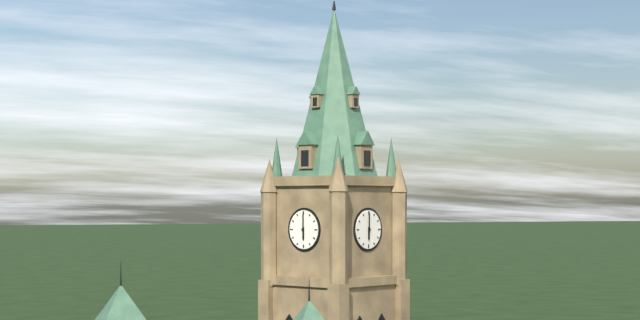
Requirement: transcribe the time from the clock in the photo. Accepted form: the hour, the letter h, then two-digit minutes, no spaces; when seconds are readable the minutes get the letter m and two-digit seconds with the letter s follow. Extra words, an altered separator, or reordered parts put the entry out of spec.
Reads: 6h00
